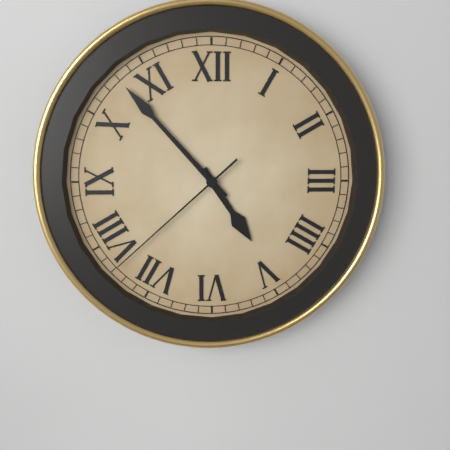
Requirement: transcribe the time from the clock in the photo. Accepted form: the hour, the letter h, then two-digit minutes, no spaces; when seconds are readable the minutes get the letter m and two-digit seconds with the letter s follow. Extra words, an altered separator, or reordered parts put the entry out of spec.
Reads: 4h53m38s
